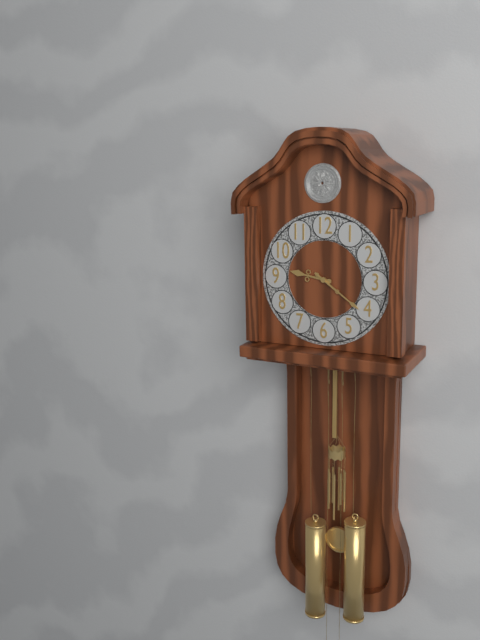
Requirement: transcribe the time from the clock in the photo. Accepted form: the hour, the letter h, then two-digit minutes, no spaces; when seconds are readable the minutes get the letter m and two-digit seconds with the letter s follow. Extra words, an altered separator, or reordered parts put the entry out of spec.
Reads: 9h21
